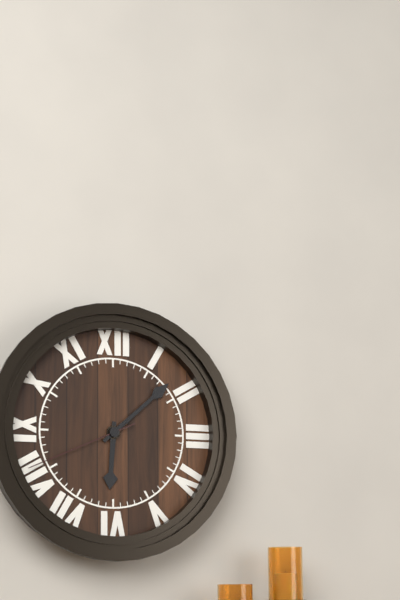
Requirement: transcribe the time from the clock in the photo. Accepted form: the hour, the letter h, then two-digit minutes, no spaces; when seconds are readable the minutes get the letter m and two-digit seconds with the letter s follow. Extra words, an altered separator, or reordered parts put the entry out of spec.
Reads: 6h08m41s
